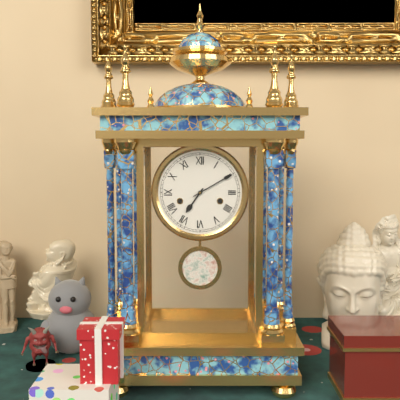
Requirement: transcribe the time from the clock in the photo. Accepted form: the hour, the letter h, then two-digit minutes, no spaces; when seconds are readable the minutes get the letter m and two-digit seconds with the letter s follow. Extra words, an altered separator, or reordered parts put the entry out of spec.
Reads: 7h10
